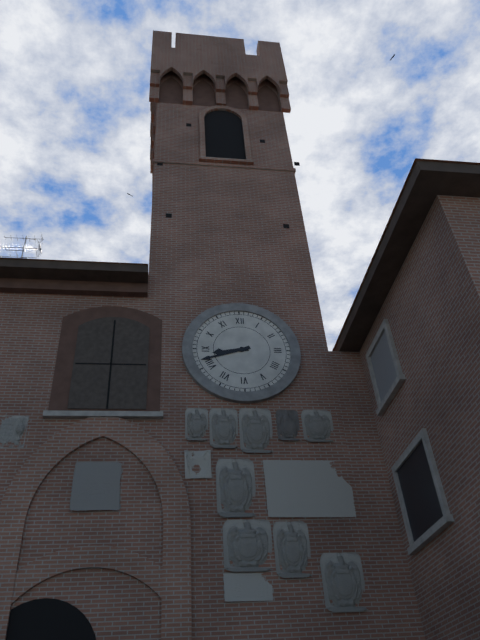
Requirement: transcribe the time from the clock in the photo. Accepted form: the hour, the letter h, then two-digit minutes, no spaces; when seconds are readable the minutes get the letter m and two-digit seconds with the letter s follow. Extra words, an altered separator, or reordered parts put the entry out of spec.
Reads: 8h42
